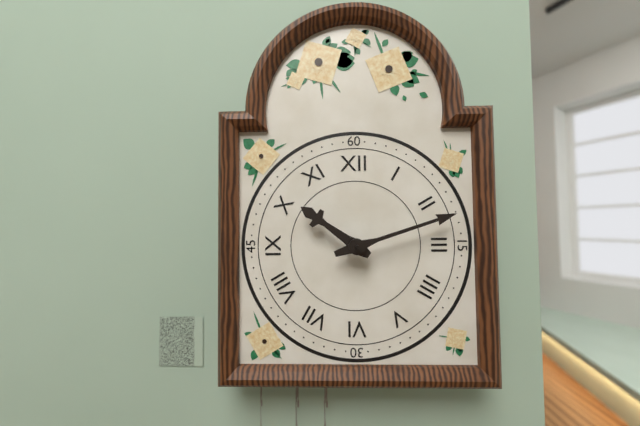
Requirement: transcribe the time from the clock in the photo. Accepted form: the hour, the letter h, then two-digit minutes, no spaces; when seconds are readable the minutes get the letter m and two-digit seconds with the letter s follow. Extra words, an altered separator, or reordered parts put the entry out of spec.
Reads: 10h12
